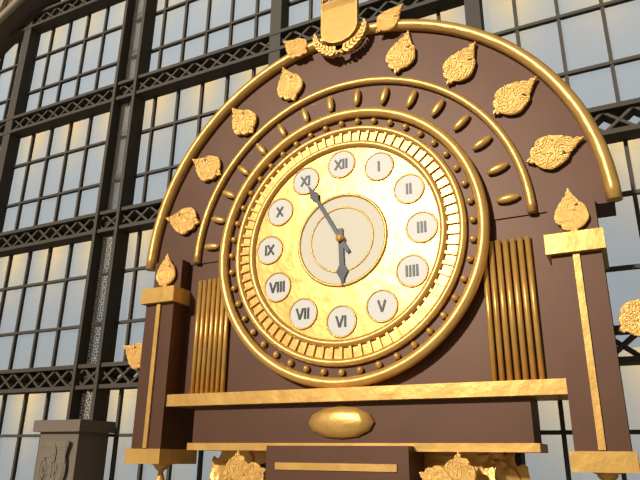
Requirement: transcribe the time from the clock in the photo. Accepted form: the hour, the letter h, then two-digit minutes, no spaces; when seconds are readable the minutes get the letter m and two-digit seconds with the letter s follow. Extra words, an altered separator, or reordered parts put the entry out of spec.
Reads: 5h55
